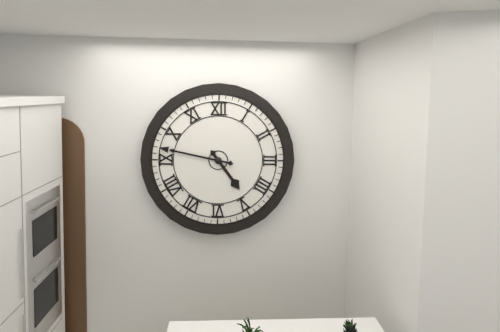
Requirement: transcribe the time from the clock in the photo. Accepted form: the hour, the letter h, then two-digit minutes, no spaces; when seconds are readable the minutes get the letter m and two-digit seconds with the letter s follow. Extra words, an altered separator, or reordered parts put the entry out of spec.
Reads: 4h47
